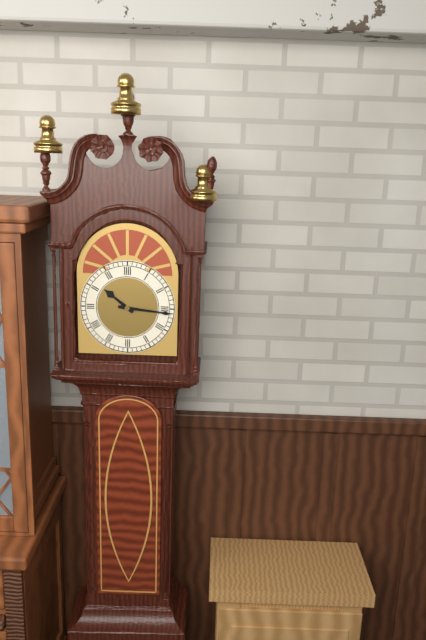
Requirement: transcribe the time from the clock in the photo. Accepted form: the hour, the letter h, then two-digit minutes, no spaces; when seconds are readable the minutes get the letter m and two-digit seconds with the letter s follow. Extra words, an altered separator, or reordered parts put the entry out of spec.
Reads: 10h16
